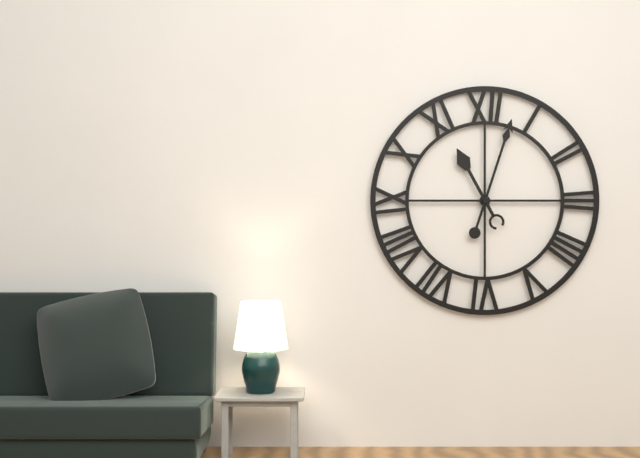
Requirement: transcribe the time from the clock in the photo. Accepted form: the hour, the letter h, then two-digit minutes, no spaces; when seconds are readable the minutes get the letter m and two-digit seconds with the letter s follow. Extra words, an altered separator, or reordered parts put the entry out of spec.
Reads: 11h03
